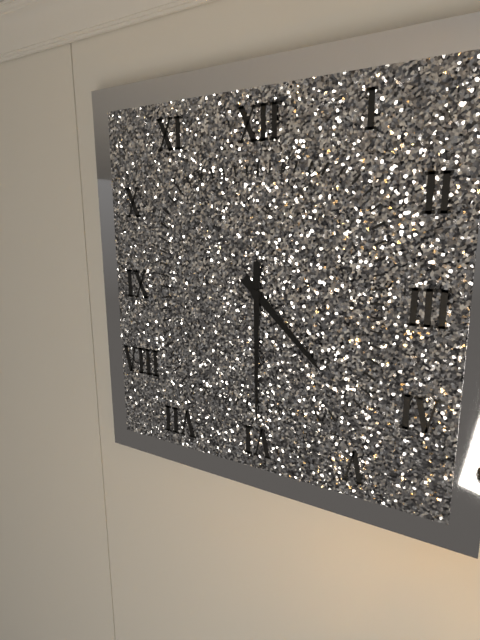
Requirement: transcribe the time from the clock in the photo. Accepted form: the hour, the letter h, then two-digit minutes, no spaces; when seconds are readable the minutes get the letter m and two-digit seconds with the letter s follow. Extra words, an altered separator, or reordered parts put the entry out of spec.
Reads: 4h30
